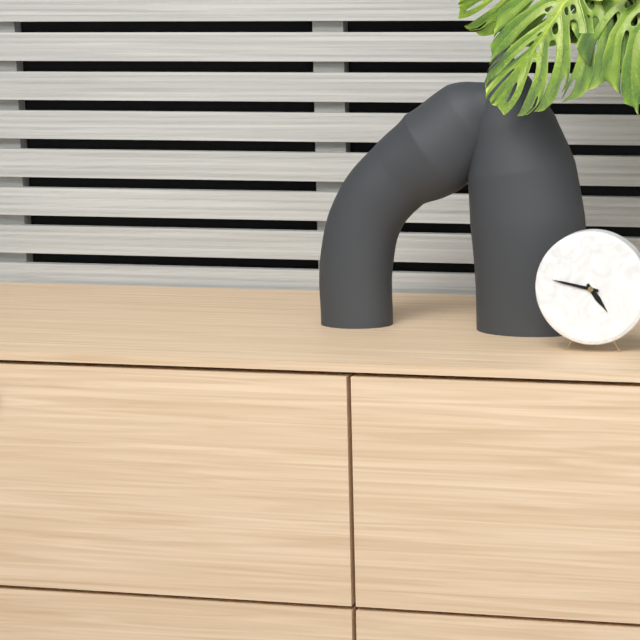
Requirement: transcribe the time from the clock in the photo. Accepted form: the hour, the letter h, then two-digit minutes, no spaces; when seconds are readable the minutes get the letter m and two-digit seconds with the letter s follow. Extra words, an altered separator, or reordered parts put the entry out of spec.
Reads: 4h47
